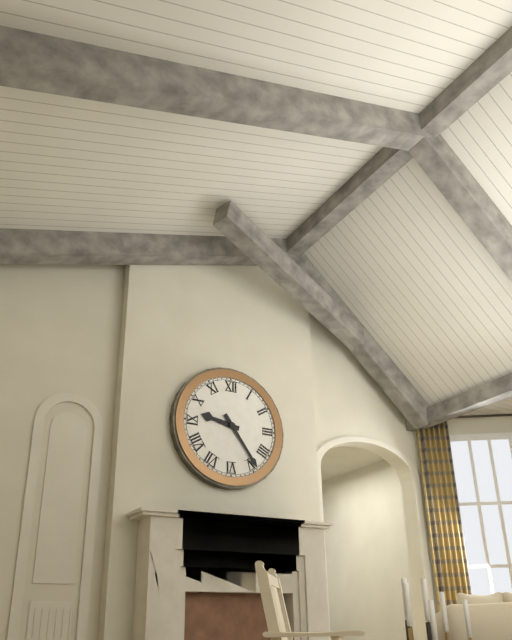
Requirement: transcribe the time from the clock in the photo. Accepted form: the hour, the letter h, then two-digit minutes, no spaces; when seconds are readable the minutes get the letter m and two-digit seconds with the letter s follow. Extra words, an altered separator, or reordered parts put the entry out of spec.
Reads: 9h24
